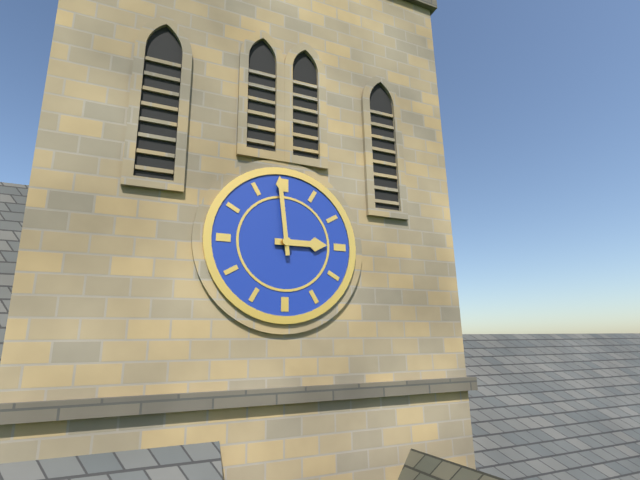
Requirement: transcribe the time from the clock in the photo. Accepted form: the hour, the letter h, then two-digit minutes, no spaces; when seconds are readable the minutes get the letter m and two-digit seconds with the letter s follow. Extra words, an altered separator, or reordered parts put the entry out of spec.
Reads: 2h59
